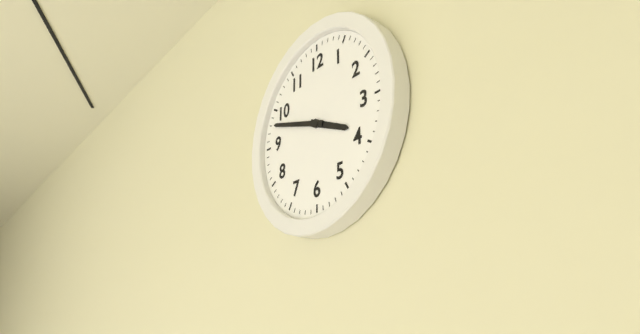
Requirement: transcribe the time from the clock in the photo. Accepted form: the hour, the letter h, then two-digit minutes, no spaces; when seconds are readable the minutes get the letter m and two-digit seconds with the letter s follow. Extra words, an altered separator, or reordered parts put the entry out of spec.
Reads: 3h48
